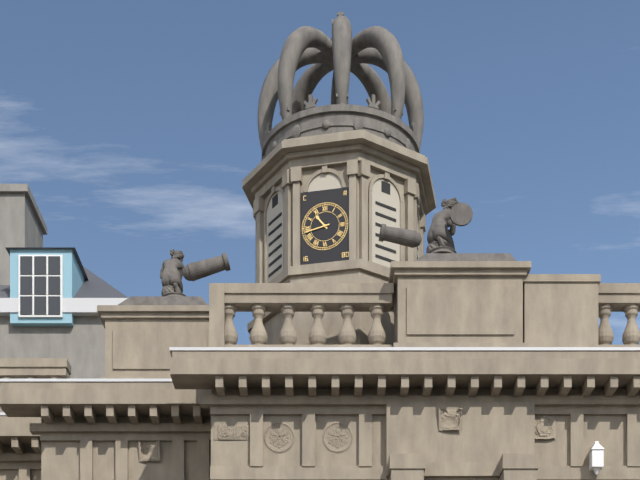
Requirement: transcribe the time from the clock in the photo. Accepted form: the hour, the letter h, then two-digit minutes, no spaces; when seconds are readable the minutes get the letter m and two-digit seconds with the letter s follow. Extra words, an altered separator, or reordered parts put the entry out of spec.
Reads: 10h43
